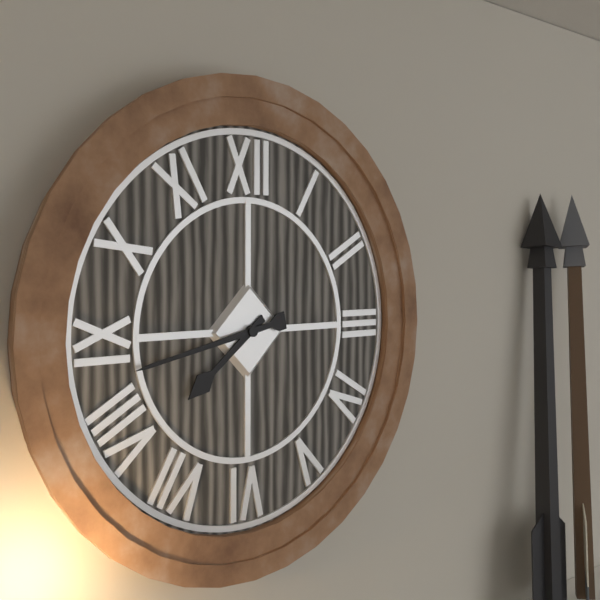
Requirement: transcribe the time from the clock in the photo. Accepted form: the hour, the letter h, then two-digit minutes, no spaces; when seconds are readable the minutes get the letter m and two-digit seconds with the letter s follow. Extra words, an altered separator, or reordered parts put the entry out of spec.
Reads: 7h43
